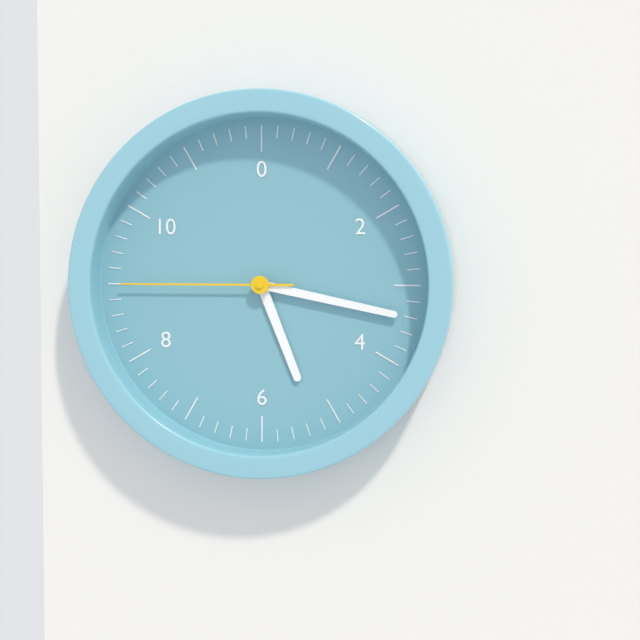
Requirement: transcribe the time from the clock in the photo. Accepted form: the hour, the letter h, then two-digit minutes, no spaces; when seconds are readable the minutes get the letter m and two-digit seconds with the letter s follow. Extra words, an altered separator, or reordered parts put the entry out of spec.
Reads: 5h17m45s
